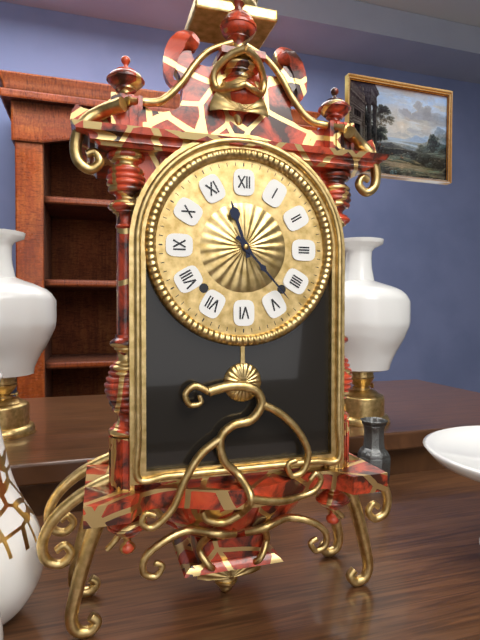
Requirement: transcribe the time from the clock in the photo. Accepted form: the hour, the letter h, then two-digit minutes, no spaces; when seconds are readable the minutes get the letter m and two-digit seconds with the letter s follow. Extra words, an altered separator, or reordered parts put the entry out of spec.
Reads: 11h23
